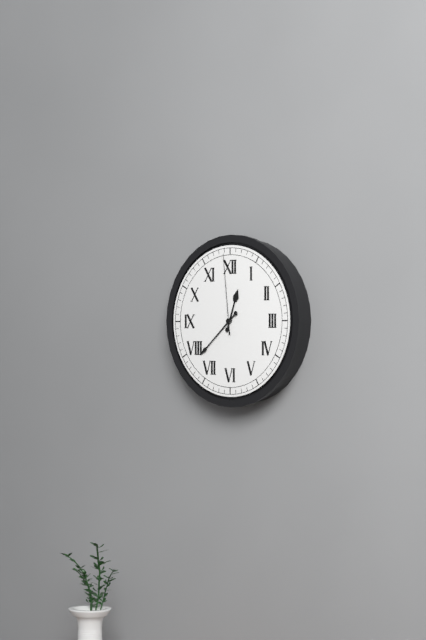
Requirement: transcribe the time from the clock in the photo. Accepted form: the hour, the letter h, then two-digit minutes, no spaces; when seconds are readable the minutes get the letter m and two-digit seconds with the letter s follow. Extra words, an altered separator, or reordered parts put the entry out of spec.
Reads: 12h38m59s
